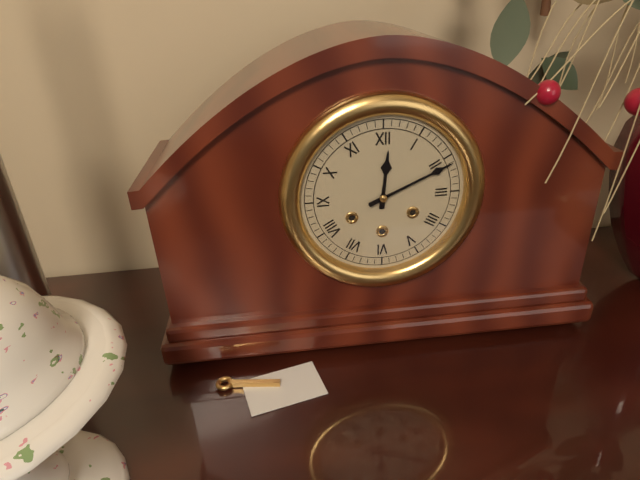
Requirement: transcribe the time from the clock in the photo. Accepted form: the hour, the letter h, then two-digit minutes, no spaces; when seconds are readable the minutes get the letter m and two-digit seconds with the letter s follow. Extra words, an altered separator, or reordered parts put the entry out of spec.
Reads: 12h11
